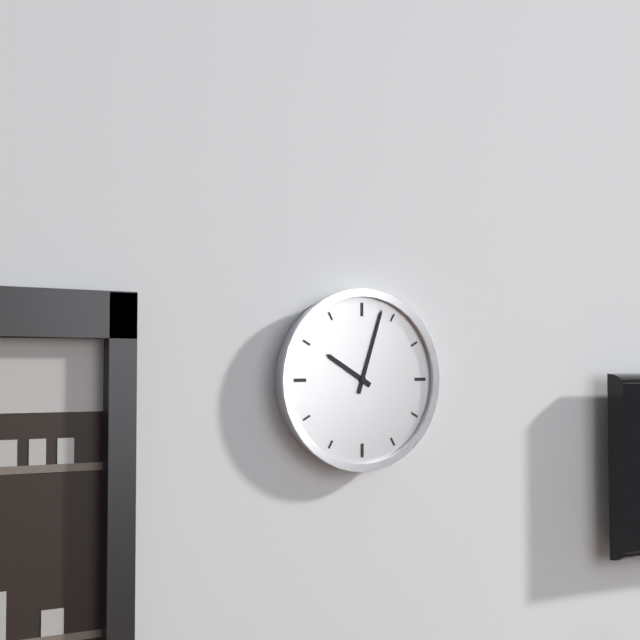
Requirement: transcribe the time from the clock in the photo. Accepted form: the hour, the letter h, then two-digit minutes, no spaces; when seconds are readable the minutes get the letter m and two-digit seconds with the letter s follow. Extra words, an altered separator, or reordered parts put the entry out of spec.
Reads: 10h03
